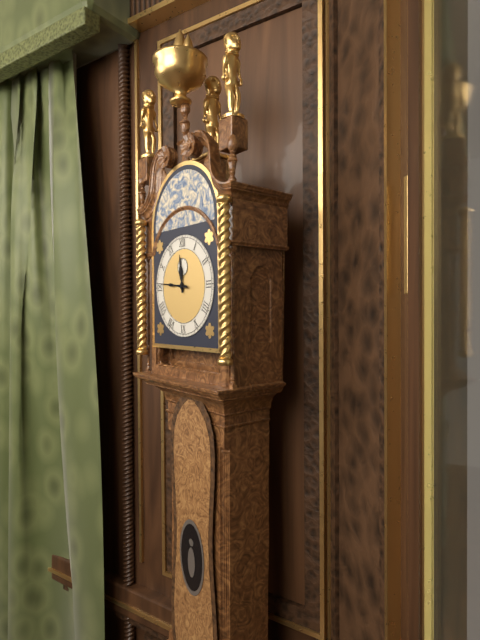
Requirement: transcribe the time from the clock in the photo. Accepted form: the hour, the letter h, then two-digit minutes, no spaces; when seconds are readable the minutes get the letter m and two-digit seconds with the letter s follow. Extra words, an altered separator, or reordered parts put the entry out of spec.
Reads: 11h46
